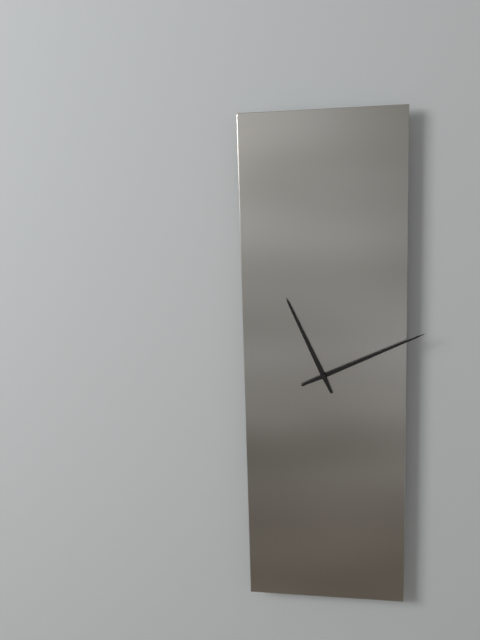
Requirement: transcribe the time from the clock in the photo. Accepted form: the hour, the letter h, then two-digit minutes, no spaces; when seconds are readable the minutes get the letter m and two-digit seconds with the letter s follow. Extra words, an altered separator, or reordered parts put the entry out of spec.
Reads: 11h11
